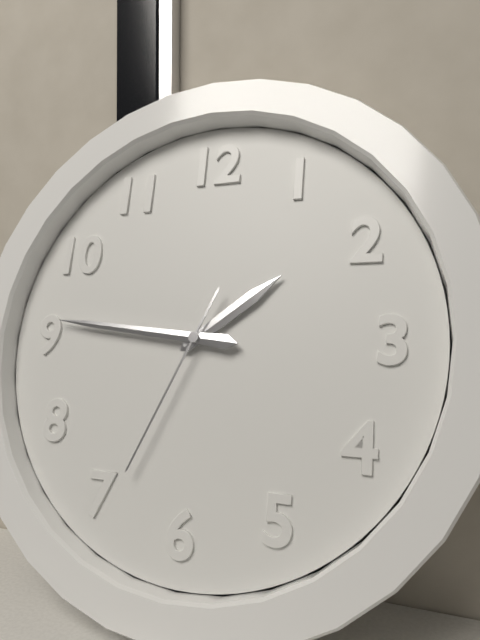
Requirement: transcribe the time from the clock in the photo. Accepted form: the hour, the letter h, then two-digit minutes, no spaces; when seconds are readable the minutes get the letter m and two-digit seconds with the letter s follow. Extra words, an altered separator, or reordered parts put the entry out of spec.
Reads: 1h46m34s
